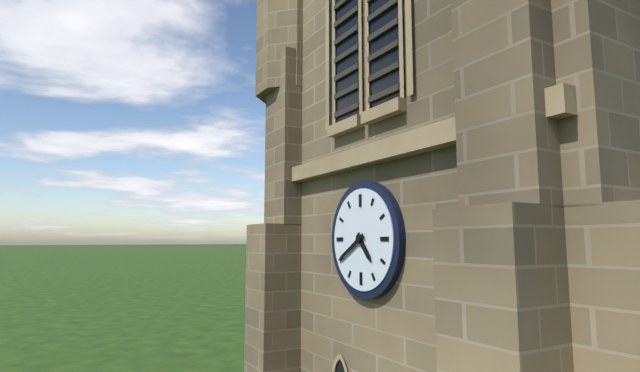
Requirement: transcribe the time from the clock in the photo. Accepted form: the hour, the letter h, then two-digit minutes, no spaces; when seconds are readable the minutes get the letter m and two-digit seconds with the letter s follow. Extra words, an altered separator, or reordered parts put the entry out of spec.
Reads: 4h40
